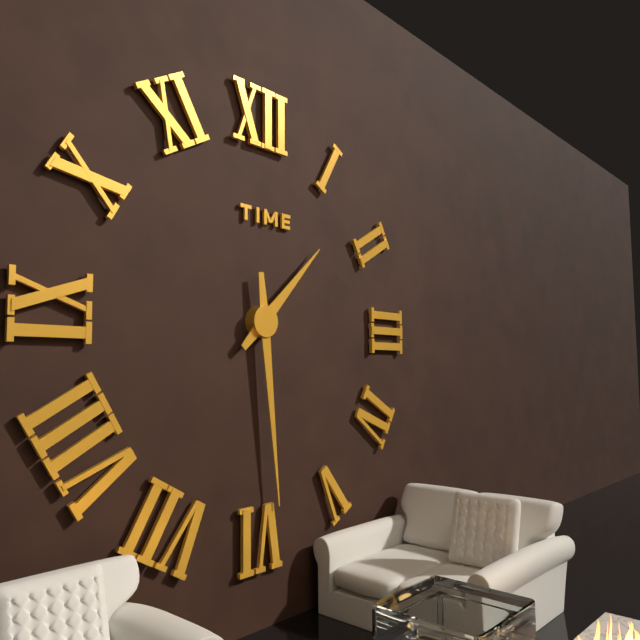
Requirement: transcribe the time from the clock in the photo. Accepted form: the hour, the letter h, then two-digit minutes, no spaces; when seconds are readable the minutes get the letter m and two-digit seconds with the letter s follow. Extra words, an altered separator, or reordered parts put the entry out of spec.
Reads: 1h29
